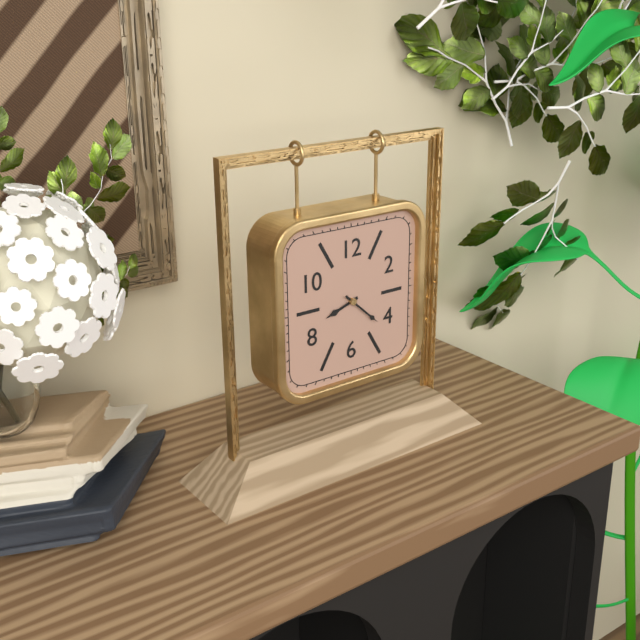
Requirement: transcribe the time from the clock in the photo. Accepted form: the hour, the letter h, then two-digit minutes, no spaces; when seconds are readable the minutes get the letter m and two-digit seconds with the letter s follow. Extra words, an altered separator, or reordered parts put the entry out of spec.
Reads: 8h22
